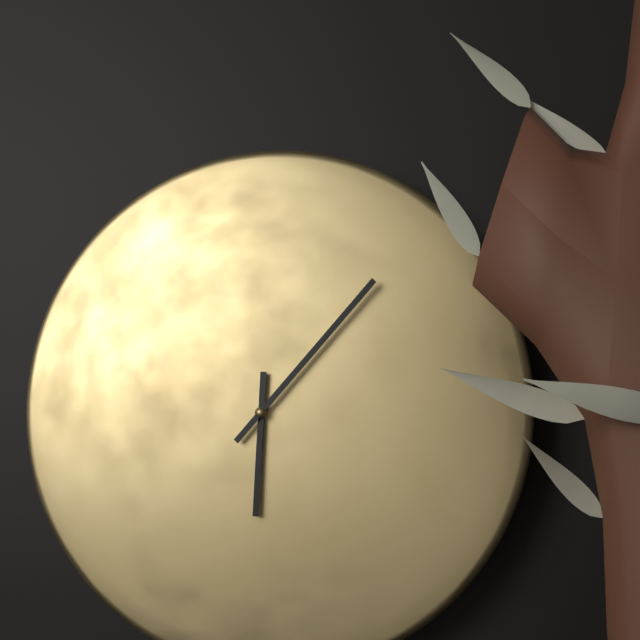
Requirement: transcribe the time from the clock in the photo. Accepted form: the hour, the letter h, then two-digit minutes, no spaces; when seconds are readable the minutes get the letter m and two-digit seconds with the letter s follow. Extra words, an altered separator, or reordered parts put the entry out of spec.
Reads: 6h07
